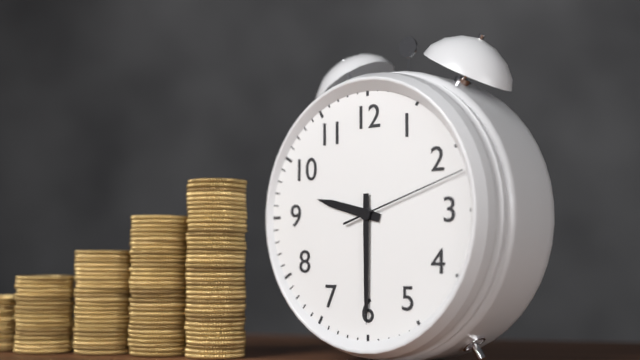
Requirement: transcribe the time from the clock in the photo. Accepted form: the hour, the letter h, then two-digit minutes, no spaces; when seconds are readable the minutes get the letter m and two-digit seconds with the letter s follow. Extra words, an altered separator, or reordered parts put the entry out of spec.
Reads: 9h30m12s
